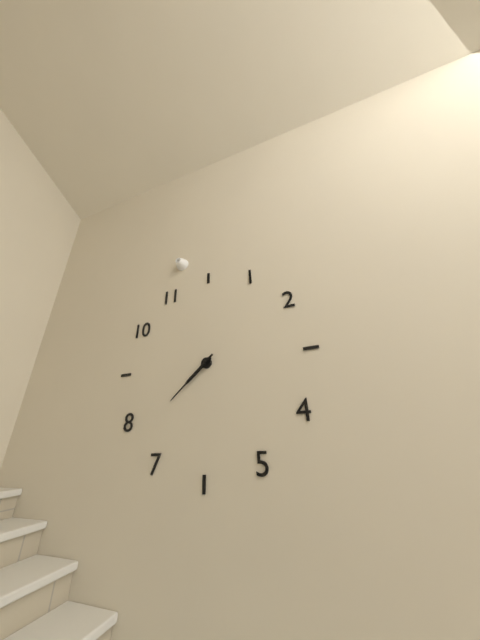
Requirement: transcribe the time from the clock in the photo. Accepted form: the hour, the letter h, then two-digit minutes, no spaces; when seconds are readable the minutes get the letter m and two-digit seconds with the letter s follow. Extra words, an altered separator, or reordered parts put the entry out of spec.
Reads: 7h38
